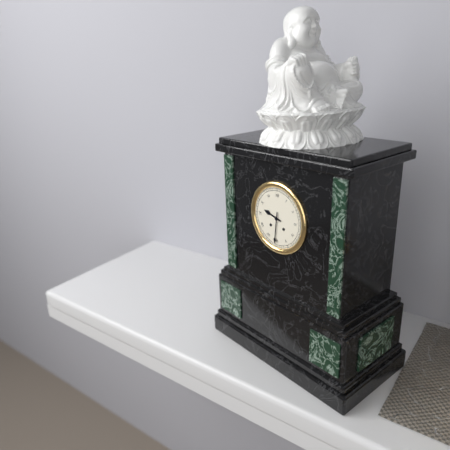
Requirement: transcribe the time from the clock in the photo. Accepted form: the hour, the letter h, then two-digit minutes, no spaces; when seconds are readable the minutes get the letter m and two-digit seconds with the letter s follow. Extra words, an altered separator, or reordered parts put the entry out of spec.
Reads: 9h31
